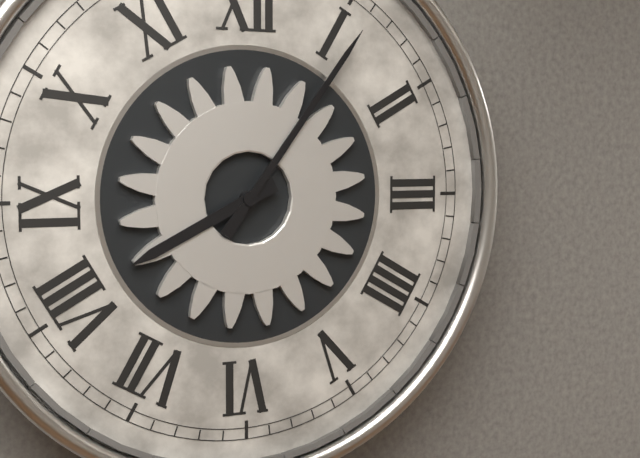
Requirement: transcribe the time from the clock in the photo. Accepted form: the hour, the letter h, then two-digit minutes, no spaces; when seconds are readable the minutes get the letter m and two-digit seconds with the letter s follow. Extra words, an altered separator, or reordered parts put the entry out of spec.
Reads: 8h06
